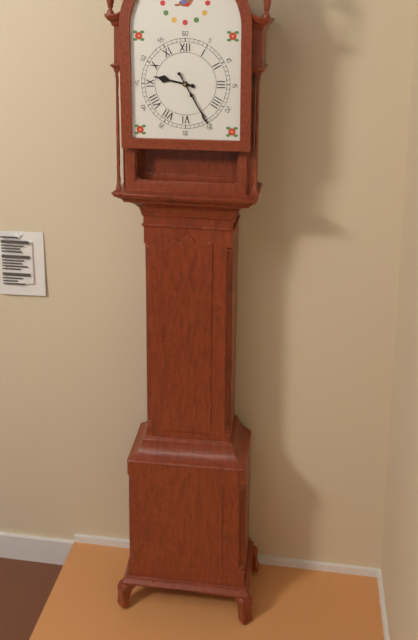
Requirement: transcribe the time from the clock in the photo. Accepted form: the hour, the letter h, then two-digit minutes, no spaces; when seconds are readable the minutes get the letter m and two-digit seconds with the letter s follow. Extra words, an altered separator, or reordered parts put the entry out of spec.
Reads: 9h25
